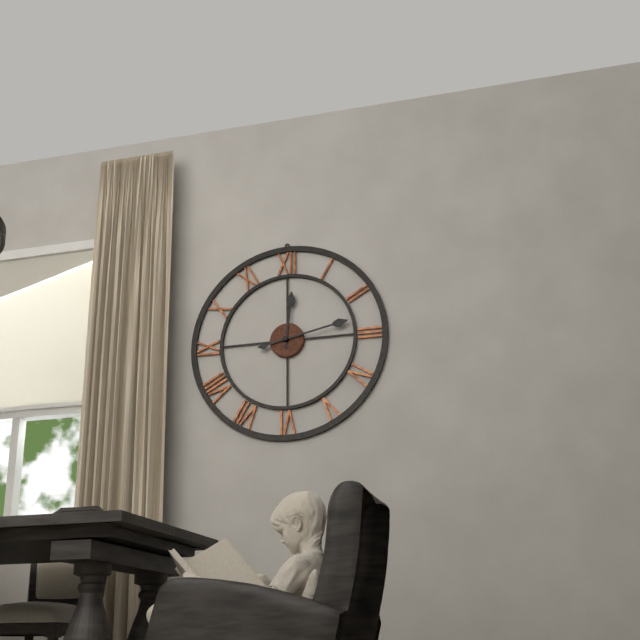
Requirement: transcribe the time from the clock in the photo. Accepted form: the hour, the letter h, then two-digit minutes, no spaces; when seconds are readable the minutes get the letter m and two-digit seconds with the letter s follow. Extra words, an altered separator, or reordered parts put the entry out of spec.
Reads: 12h13
